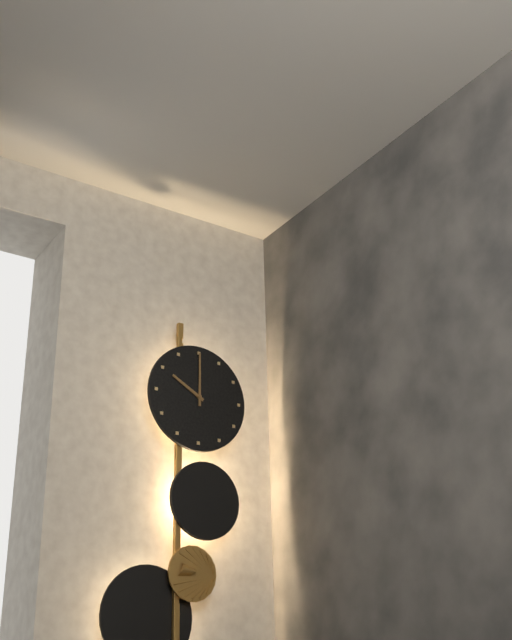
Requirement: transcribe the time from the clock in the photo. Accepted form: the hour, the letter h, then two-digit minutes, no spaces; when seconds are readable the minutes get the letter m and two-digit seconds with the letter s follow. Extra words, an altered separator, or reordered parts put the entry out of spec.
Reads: 10h00
